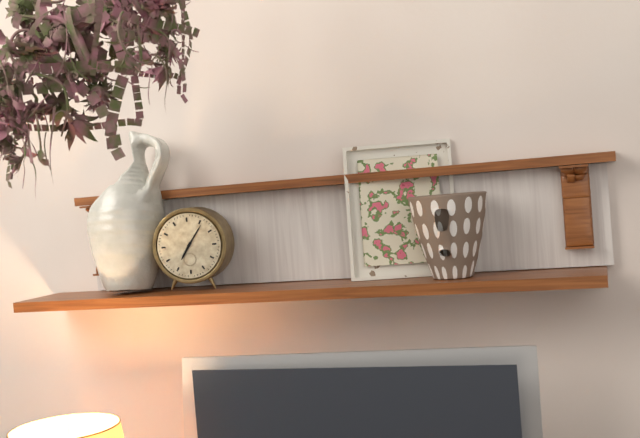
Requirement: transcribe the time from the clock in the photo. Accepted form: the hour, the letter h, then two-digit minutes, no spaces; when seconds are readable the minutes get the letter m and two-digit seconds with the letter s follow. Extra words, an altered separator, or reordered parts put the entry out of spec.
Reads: 7h06
